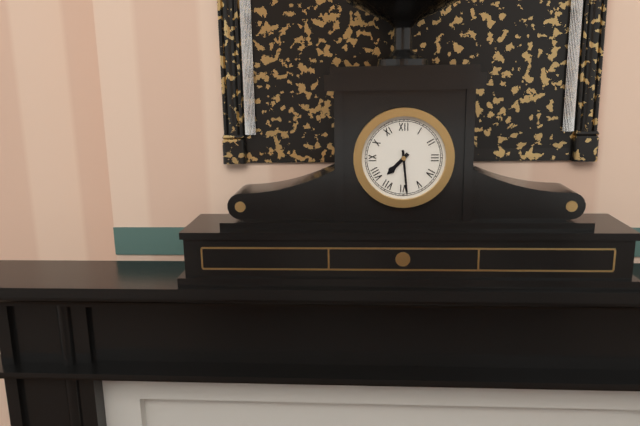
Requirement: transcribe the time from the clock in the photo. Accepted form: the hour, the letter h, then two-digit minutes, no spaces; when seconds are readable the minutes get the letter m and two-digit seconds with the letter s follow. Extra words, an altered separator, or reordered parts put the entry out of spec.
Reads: 7h29
